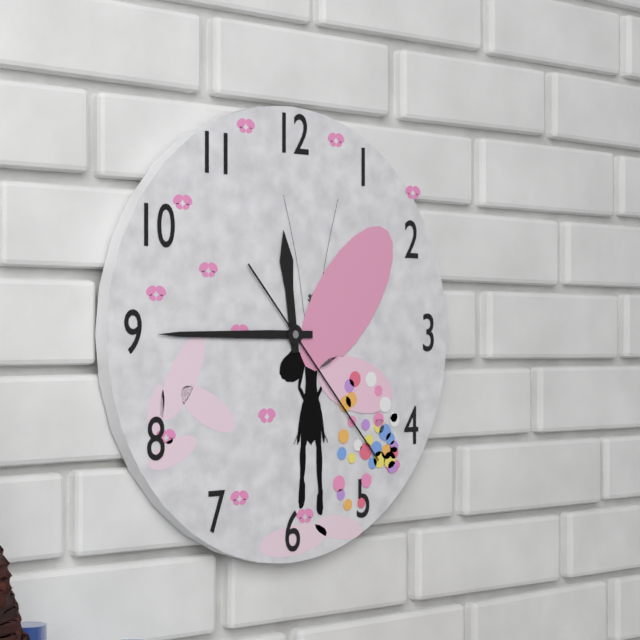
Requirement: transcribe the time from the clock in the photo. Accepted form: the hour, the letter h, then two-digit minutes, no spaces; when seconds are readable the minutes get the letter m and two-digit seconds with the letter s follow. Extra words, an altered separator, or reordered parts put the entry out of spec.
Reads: 11h45m23s
